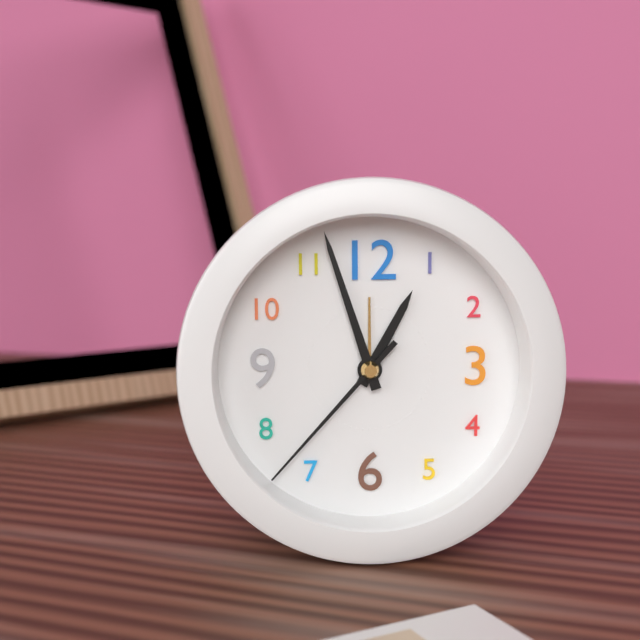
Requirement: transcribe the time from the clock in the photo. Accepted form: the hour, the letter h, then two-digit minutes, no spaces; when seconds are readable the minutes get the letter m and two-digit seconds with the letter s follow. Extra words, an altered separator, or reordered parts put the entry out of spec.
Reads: 12h57m37s
